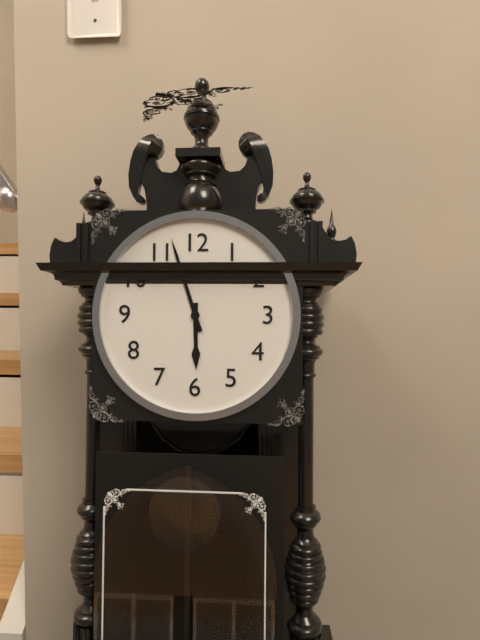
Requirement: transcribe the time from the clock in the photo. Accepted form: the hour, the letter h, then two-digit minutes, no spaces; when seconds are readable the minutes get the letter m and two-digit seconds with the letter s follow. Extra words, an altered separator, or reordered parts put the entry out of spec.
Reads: 5h57
